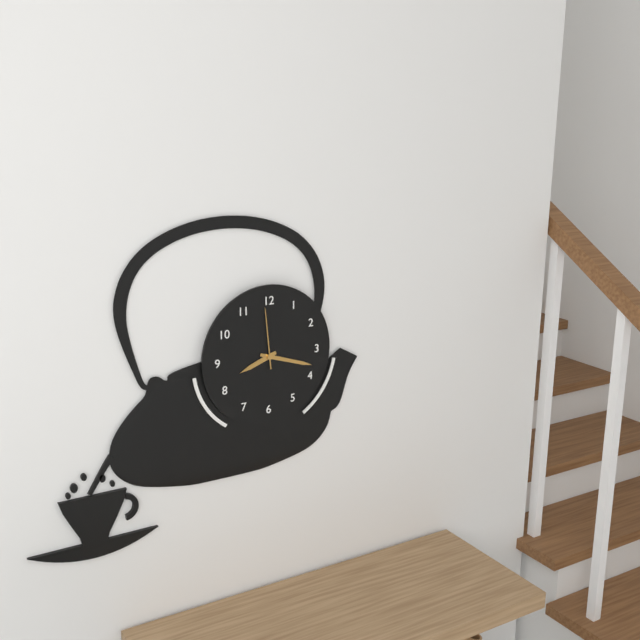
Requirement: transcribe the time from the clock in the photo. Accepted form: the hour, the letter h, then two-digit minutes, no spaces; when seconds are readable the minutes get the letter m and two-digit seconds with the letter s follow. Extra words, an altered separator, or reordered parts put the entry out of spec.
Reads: 8h18m59s
